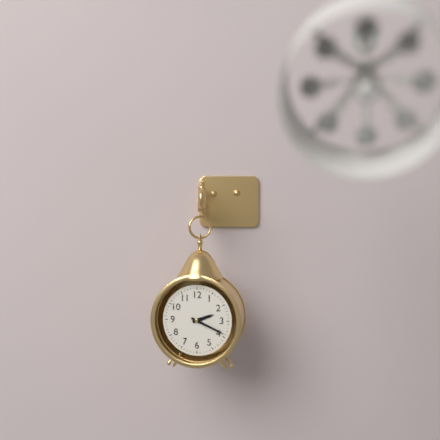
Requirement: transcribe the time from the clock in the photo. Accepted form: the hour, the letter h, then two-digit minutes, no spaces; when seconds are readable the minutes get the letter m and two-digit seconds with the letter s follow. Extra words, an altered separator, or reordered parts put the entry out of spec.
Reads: 2h19
